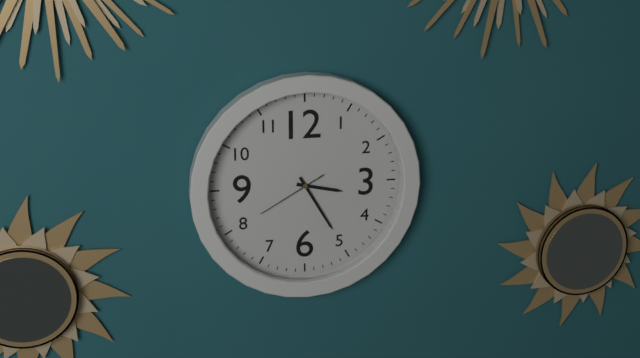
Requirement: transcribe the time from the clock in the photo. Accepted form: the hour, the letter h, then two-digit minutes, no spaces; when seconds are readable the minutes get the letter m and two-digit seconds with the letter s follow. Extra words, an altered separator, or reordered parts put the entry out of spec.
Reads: 3h25m40s
